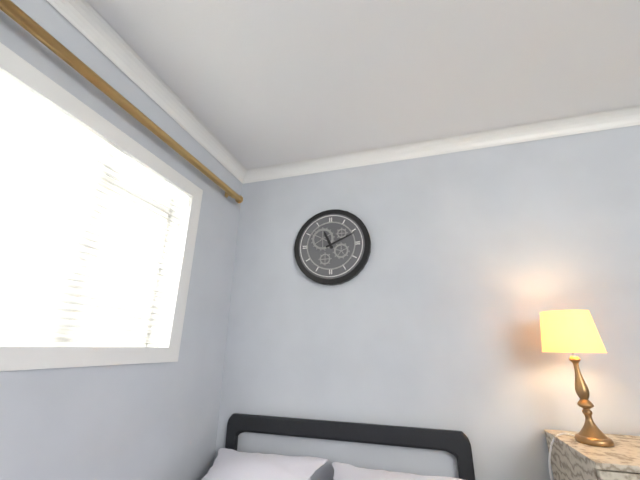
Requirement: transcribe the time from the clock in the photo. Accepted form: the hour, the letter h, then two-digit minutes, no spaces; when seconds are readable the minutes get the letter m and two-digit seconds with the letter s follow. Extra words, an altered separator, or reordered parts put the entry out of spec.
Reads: 11h11
